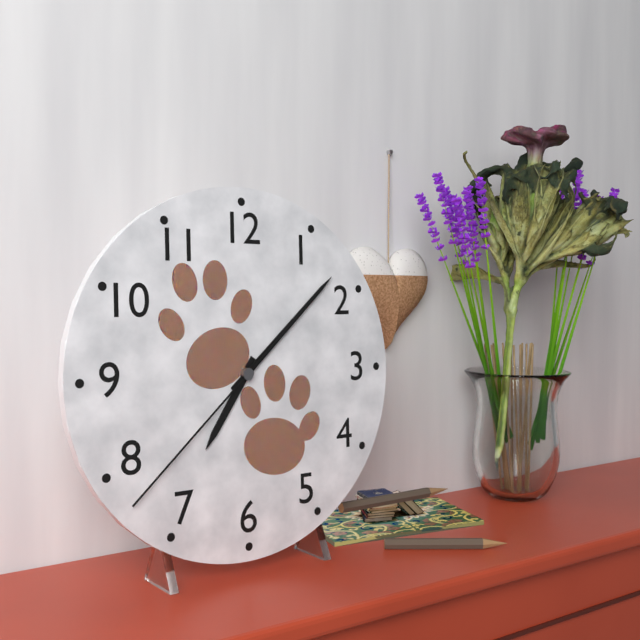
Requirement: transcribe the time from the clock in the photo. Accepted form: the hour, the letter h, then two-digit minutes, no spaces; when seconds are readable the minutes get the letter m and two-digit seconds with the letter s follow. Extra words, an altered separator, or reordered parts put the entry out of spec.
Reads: 7h08m38s
